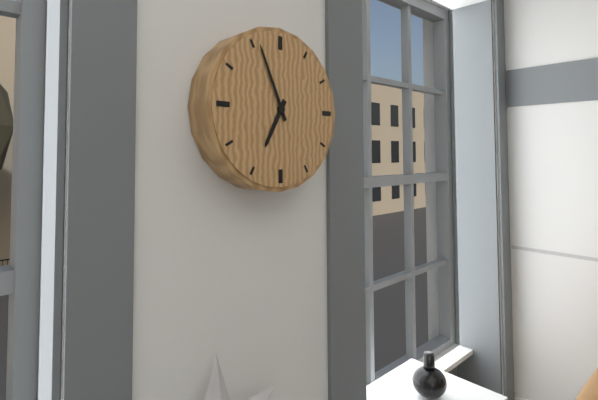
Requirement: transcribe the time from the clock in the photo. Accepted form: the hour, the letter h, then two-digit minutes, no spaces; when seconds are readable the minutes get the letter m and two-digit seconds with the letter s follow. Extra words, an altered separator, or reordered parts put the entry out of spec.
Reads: 6h56
